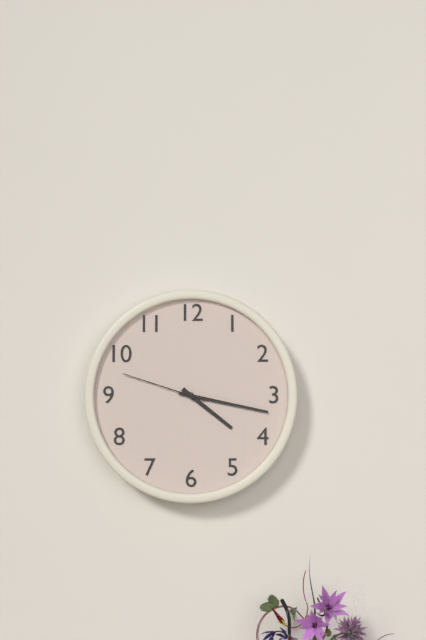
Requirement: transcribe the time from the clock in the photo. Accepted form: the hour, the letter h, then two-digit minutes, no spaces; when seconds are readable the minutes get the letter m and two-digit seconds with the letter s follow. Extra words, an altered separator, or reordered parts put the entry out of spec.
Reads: 4h17m48s
